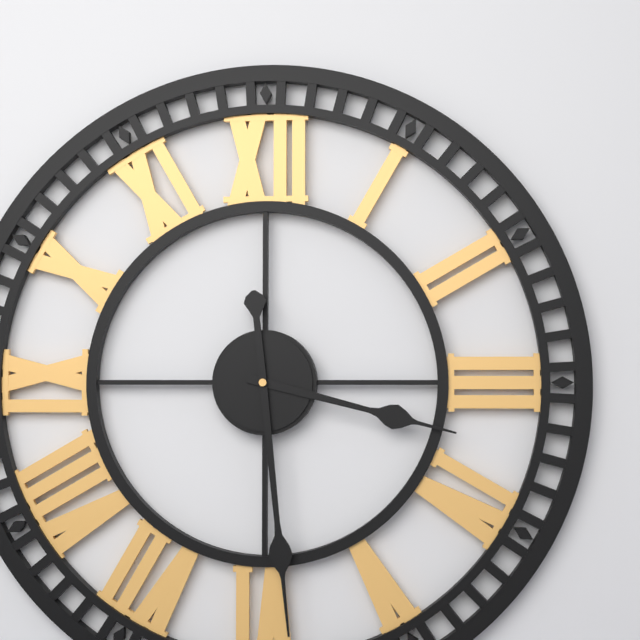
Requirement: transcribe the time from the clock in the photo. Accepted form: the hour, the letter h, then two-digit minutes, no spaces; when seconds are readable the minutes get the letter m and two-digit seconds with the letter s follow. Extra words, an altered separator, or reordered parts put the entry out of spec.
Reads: 3h29
